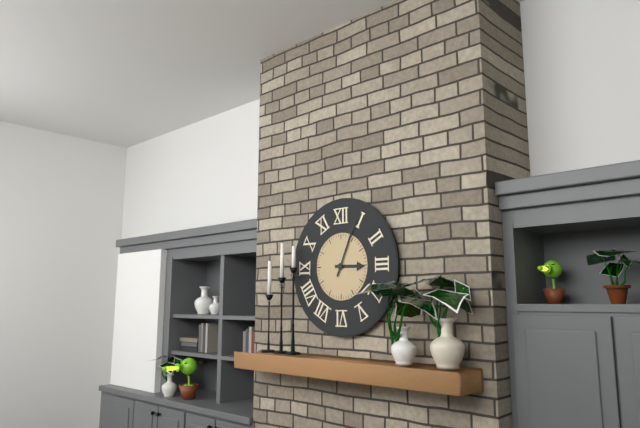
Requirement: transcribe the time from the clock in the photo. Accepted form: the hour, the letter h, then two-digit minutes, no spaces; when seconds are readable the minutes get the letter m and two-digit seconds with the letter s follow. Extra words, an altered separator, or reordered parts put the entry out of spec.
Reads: 3h04
